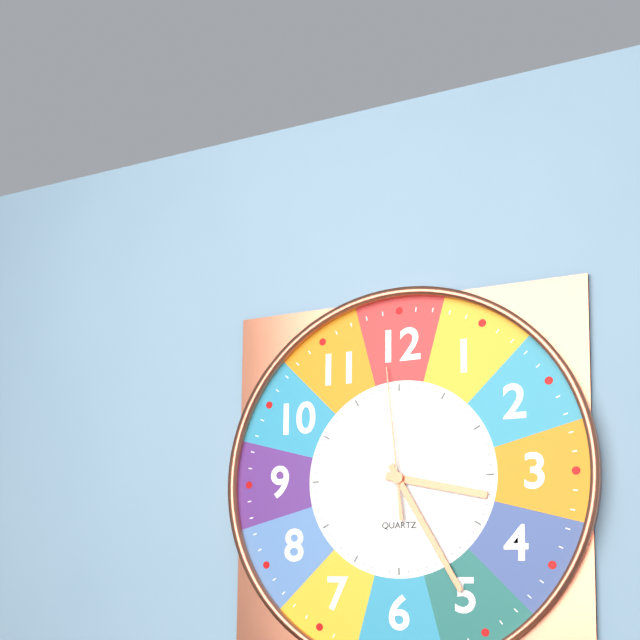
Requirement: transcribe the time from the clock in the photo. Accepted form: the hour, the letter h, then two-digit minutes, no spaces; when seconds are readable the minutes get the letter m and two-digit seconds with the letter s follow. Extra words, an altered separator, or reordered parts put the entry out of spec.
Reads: 3h25m59s
